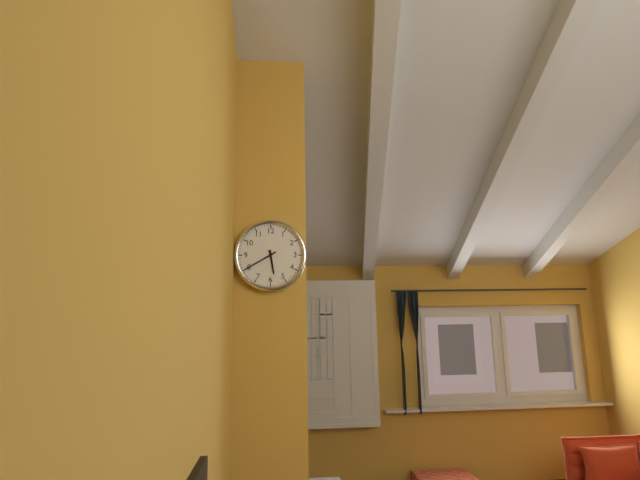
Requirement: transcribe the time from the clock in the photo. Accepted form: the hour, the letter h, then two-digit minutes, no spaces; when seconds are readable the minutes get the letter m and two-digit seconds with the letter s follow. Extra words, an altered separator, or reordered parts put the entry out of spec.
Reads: 5h40
